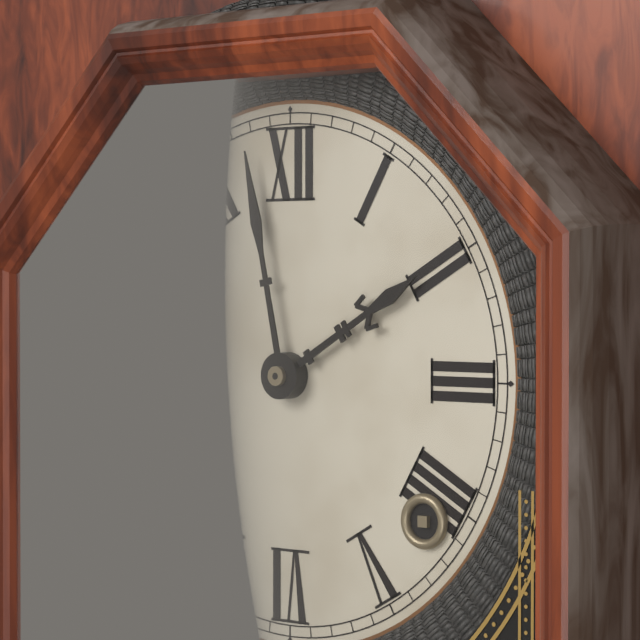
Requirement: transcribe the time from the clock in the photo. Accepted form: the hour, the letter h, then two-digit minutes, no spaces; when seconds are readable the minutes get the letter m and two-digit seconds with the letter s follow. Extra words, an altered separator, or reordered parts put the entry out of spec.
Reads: 1h58
